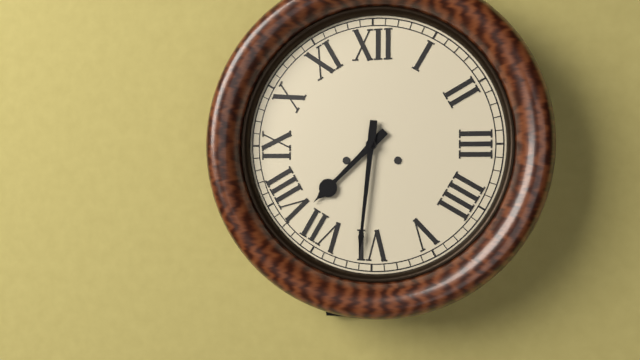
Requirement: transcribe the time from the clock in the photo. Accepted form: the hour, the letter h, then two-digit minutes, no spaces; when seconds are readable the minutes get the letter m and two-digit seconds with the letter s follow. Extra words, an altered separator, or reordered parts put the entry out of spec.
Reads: 7h31
